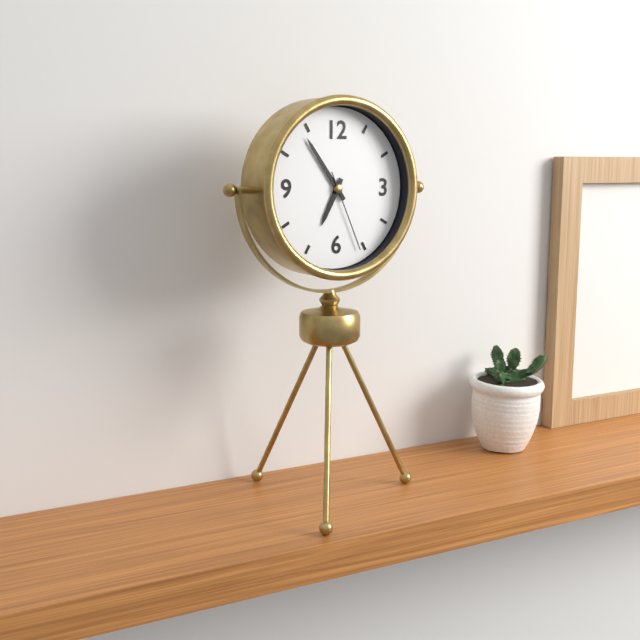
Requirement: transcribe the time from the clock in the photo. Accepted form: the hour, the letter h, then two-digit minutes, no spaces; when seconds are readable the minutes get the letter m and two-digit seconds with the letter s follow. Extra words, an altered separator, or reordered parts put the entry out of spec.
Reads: 6h54m26s
